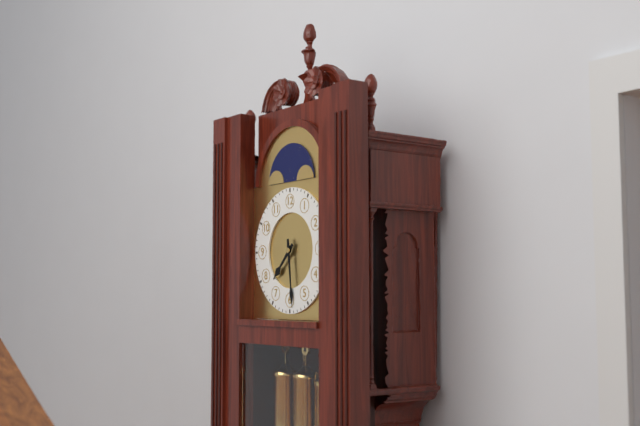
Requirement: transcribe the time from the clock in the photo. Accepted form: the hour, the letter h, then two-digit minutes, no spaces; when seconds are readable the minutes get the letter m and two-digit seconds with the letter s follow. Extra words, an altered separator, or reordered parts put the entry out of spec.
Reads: 7h29
